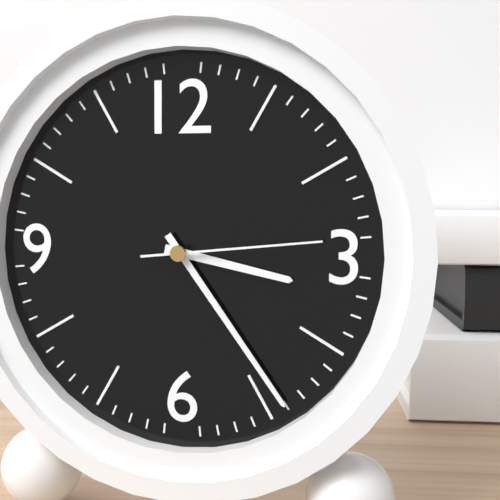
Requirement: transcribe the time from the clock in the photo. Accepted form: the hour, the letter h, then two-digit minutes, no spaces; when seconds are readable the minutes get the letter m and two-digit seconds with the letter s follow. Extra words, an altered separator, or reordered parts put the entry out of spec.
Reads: 3h24m14s
